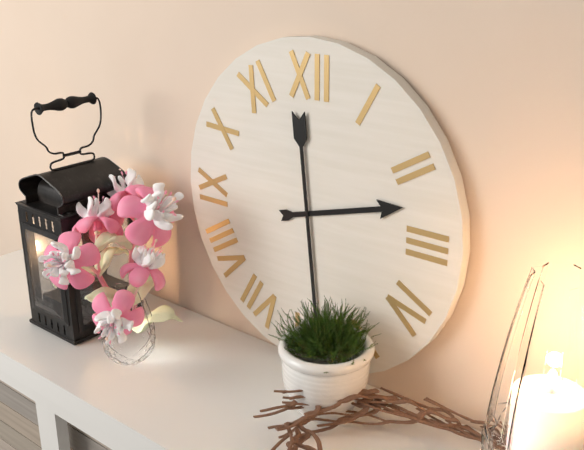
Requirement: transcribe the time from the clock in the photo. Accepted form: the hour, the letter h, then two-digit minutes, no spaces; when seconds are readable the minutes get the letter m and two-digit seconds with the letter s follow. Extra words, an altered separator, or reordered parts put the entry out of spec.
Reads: 2h29
